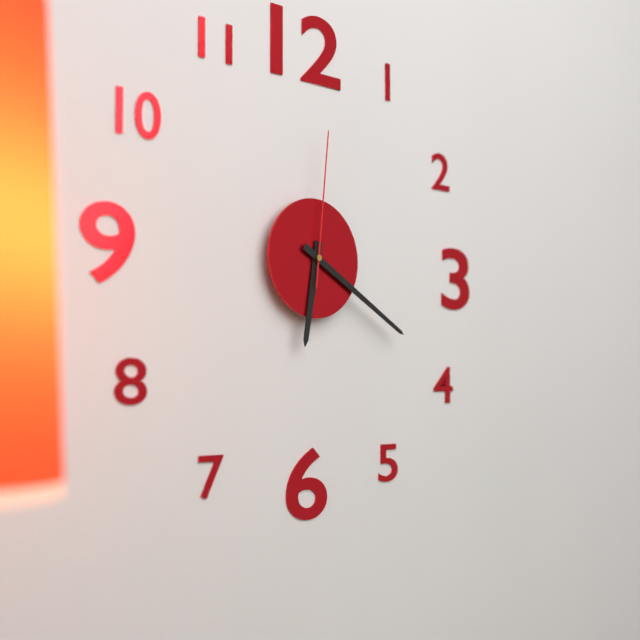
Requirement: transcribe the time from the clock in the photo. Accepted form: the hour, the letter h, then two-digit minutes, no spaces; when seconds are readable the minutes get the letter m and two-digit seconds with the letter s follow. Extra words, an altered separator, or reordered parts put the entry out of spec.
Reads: 6h20m01s
